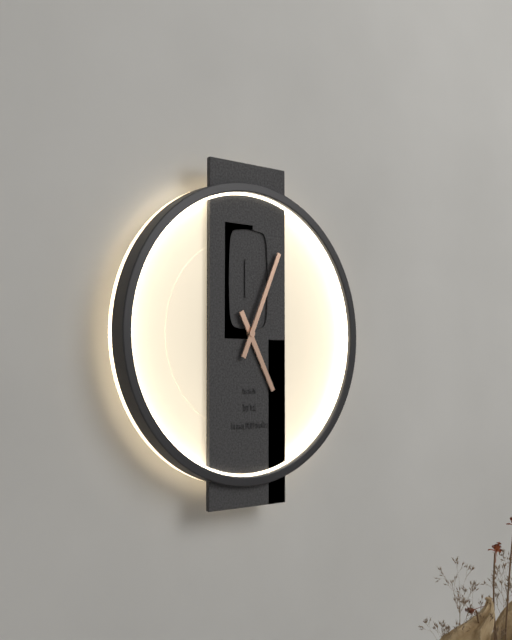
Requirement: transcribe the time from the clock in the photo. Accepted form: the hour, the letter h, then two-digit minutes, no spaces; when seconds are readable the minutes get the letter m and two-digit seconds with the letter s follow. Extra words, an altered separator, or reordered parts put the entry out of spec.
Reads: 5h04
